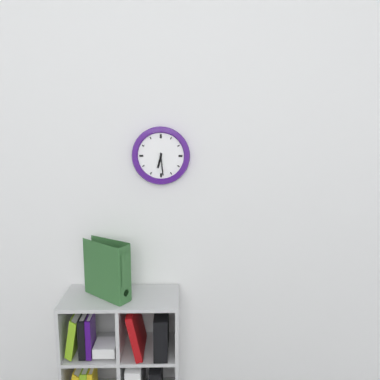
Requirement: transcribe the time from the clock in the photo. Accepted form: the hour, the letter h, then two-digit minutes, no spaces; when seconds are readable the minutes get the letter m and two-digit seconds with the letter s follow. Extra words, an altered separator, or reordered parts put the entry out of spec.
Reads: 6h29
